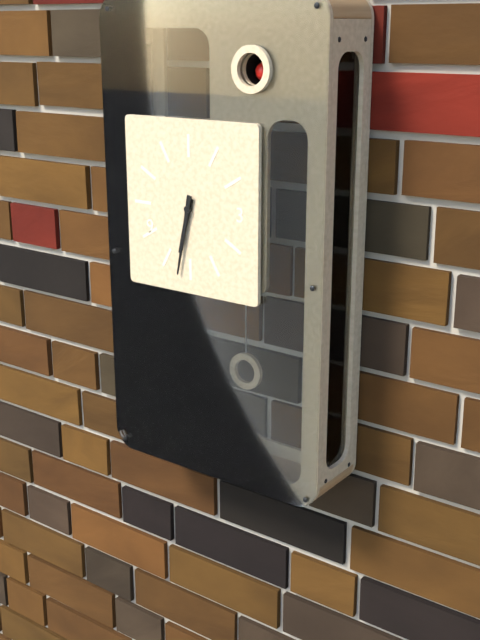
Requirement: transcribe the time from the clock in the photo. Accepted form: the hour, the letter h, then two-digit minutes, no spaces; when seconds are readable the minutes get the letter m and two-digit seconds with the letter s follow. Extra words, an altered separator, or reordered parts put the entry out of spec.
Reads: 6h32
